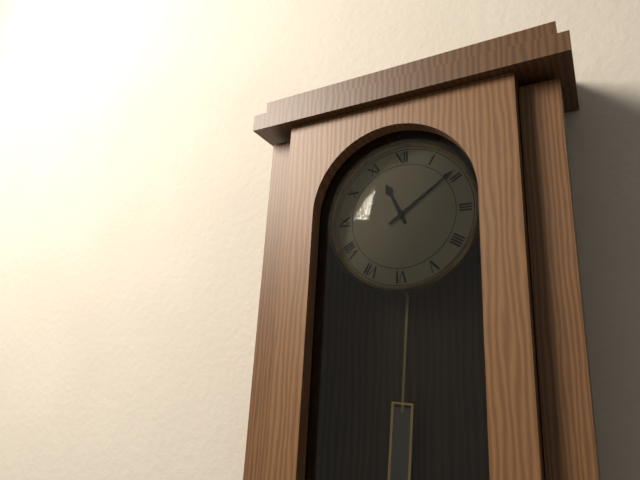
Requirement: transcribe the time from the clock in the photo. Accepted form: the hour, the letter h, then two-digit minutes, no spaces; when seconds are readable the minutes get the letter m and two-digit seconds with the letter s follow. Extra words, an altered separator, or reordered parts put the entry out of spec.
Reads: 11h09
